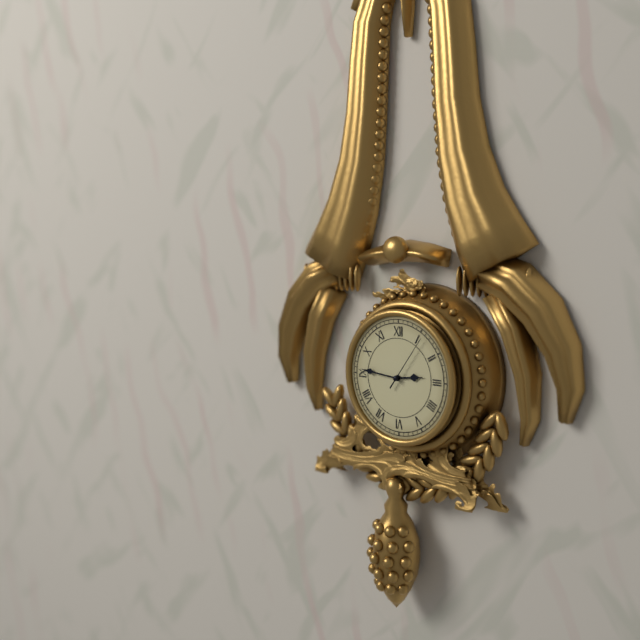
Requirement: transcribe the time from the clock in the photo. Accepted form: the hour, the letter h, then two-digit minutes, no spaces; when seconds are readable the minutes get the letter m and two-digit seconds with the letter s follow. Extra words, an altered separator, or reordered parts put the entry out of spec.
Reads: 2h46m06s
